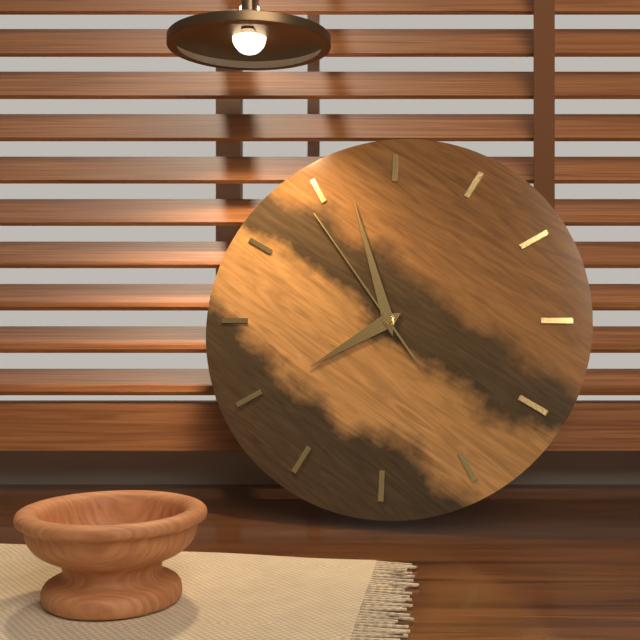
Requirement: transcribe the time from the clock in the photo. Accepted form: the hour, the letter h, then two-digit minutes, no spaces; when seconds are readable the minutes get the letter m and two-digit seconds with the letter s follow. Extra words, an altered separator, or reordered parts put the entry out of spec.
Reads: 7h57m54s
